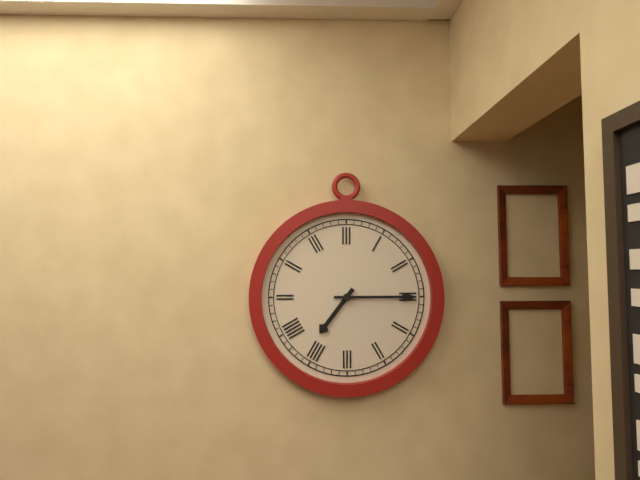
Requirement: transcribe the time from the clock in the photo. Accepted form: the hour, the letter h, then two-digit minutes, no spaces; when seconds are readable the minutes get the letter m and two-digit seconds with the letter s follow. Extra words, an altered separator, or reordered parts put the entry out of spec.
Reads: 7h15
